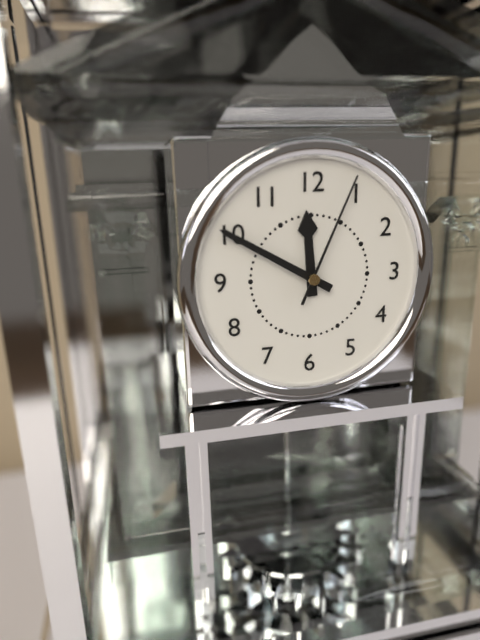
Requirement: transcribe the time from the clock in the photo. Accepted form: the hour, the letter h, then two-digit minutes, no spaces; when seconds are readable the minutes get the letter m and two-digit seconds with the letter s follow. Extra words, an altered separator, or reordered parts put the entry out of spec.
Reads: 11h50m04s
